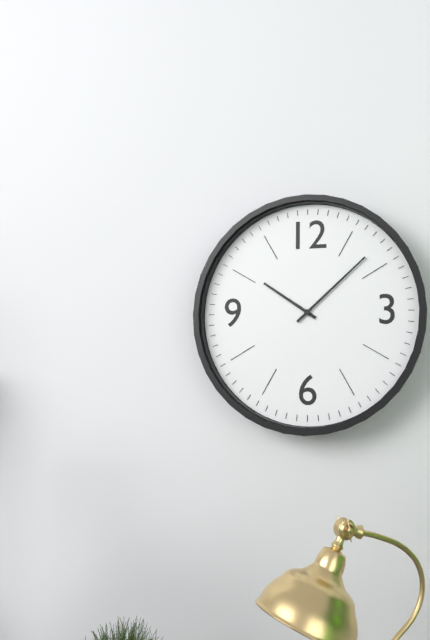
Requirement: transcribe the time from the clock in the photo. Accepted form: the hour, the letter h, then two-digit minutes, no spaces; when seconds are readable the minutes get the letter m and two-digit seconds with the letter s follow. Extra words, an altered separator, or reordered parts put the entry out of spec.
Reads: 10h08
